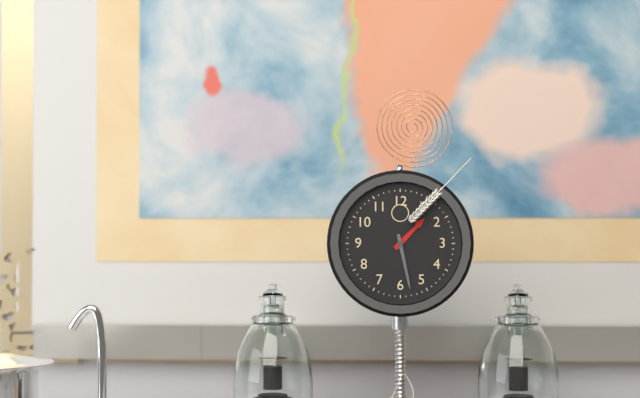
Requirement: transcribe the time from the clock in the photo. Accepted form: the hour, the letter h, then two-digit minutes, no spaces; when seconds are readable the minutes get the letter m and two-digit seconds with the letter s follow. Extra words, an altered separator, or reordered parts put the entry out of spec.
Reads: 1h28
